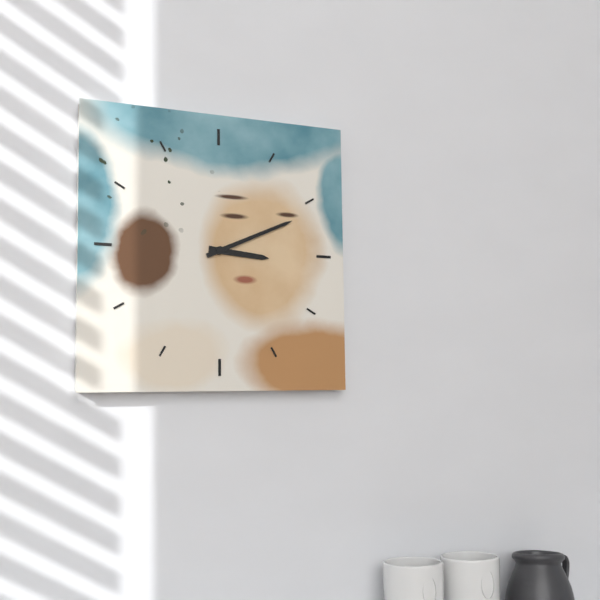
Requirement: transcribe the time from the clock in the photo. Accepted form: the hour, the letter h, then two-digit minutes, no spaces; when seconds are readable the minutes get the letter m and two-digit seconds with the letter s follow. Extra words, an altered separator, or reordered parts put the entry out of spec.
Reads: 3h11
